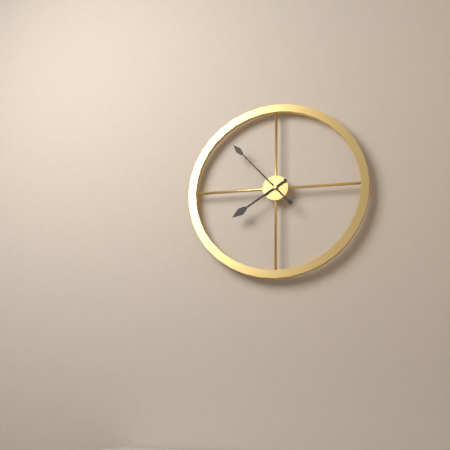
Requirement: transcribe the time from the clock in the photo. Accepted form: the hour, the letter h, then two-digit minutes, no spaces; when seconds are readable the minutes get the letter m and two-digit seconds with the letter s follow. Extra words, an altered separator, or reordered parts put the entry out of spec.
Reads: 7h53
